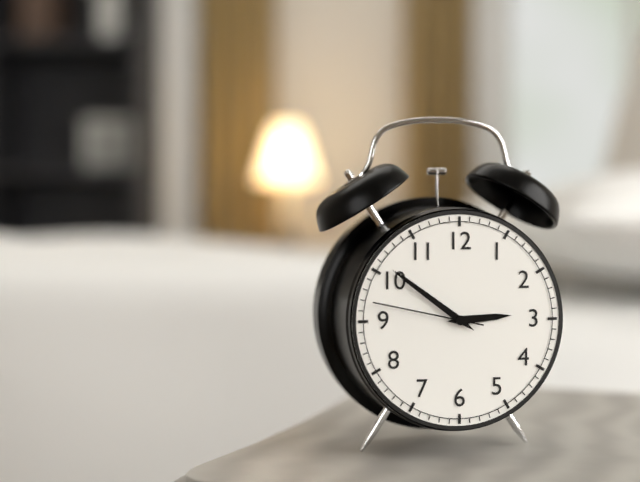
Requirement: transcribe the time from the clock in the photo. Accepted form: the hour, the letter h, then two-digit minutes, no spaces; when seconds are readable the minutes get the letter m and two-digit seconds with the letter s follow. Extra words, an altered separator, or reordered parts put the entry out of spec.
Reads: 2h51m47s
